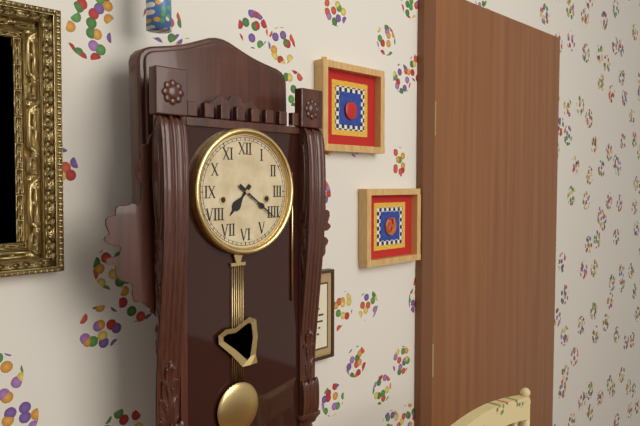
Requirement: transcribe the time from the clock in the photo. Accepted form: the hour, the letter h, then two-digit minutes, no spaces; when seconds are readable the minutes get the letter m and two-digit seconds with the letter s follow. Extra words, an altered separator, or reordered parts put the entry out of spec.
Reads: 7h21
